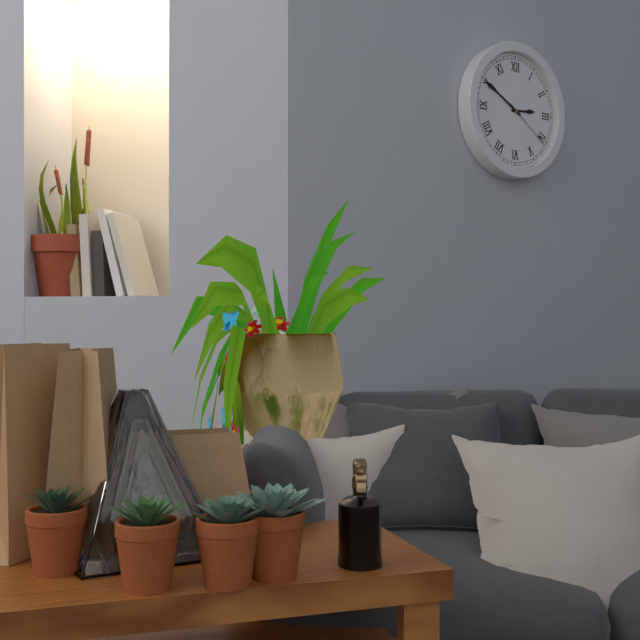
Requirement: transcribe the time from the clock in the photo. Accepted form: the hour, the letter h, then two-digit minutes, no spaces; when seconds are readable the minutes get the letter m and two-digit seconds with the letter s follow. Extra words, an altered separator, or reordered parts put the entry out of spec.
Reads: 2h50m21s
